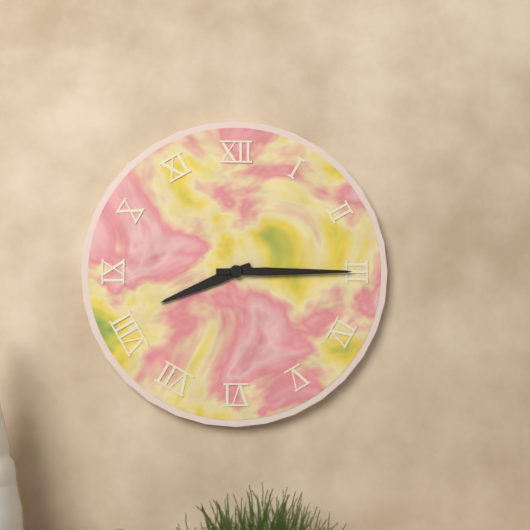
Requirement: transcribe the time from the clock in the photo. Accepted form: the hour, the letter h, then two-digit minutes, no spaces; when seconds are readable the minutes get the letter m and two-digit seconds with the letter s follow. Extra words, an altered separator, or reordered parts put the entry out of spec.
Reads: 8h15
